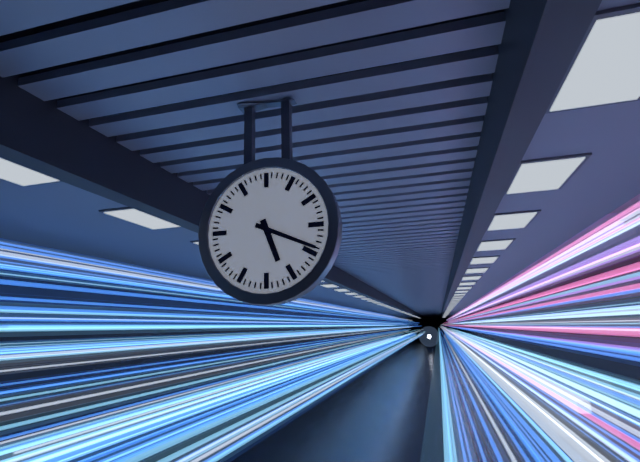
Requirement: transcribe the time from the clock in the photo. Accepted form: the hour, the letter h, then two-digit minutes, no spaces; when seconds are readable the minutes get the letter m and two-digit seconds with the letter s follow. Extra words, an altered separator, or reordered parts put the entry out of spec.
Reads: 5h19
